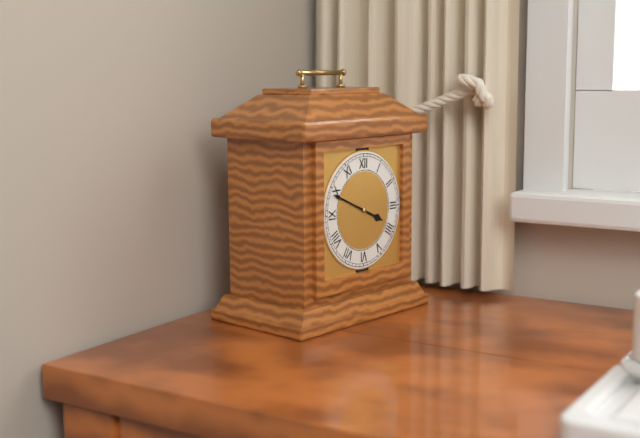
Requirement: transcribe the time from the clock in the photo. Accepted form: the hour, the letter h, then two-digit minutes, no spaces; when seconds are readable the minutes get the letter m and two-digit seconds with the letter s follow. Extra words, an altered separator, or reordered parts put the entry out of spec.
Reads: 3h49
